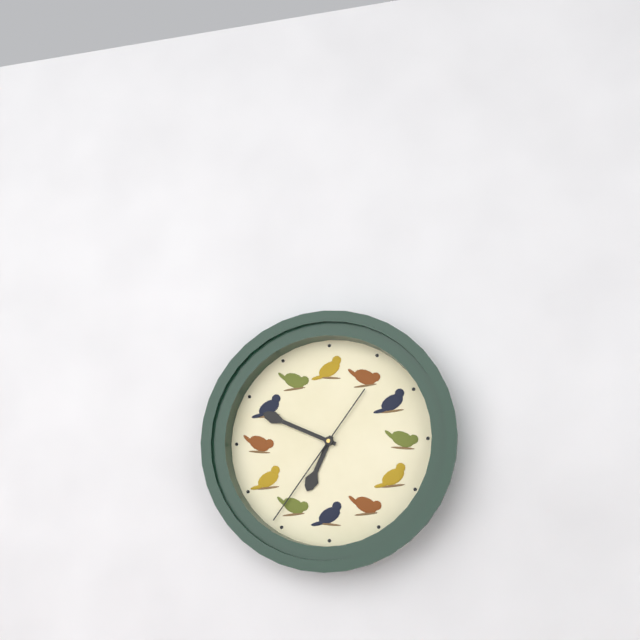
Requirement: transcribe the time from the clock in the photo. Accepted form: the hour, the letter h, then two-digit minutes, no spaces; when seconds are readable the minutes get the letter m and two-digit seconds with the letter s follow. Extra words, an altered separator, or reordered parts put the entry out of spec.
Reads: 6h49m36s
